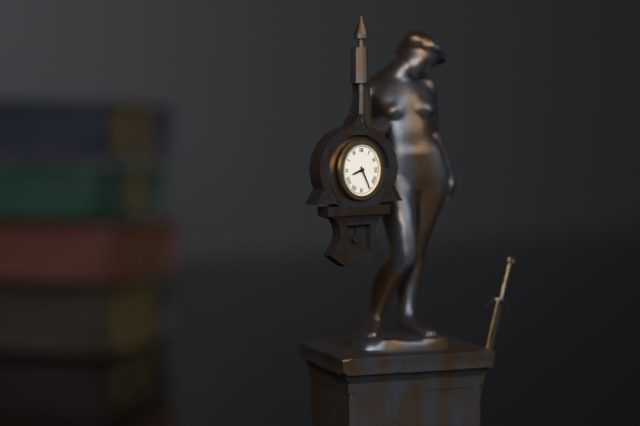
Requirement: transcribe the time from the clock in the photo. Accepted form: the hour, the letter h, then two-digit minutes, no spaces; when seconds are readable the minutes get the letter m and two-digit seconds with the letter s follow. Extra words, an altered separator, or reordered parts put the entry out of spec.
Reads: 8h25
